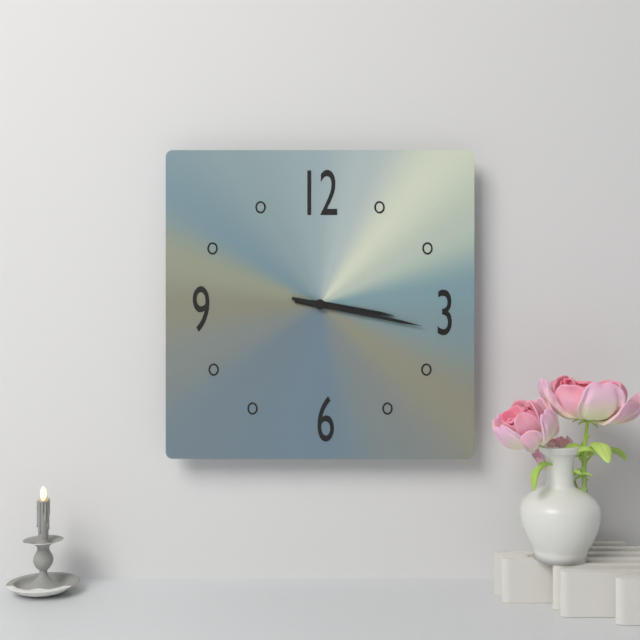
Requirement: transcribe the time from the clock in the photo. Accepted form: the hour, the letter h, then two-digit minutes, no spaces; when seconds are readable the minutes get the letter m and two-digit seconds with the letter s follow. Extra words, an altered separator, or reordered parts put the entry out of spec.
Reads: 3h17
